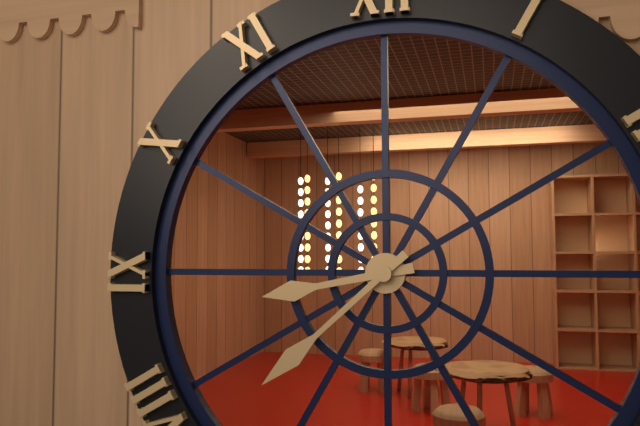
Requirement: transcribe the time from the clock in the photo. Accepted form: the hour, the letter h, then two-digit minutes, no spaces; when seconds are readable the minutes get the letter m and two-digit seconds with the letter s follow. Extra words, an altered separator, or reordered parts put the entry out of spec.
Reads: 8h38
